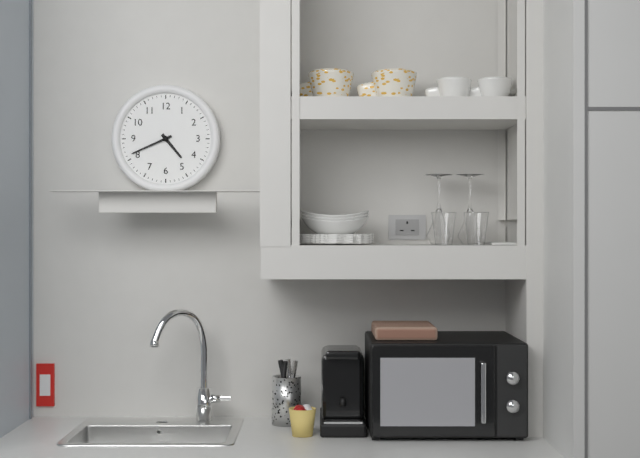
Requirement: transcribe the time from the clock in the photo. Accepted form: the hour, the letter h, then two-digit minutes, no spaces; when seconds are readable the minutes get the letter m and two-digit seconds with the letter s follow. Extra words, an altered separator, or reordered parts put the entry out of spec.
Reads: 4h41
